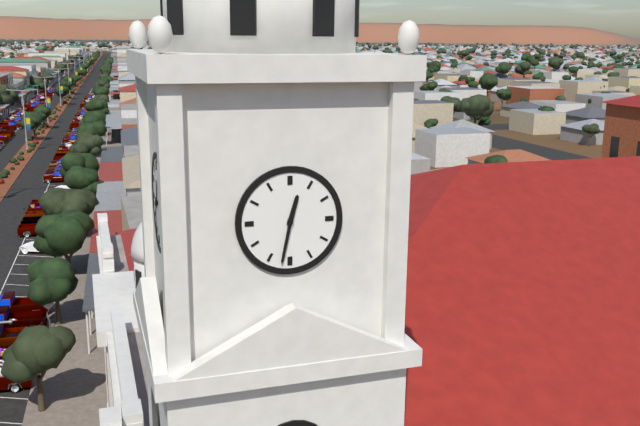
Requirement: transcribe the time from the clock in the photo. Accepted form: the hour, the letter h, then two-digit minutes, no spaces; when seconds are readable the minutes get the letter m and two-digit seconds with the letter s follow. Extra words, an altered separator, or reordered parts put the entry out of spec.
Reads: 12h32
